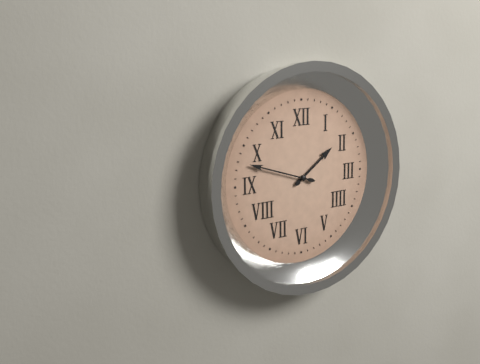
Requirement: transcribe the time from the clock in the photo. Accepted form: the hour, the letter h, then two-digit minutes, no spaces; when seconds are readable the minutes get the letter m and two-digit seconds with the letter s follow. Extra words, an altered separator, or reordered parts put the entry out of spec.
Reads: 1h48
